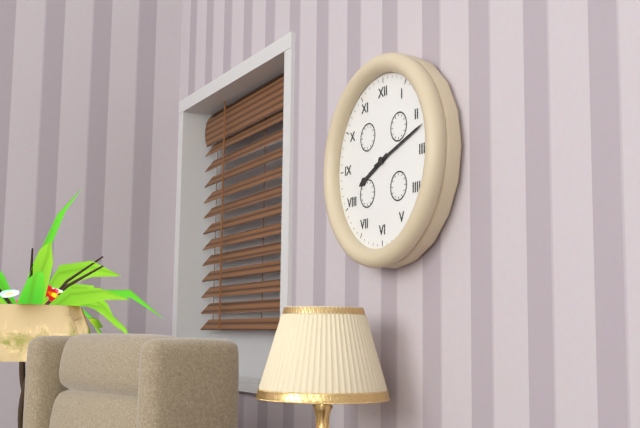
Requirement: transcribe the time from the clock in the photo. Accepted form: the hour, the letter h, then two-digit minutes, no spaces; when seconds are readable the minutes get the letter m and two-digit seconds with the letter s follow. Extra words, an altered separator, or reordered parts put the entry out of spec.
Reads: 8h12
